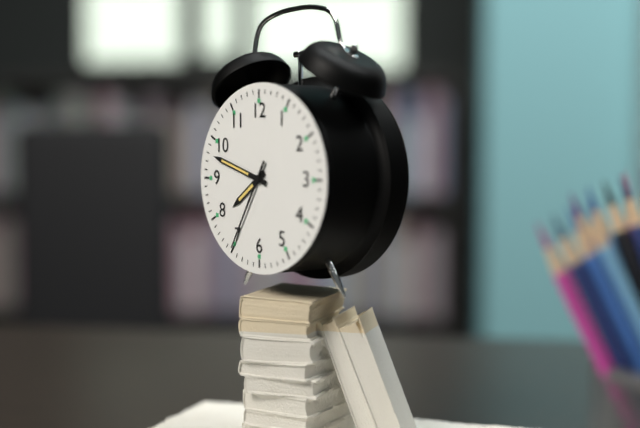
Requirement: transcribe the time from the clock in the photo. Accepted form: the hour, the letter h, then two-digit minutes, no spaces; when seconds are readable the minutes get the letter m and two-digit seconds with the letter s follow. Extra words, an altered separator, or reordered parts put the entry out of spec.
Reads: 7h48m35s
